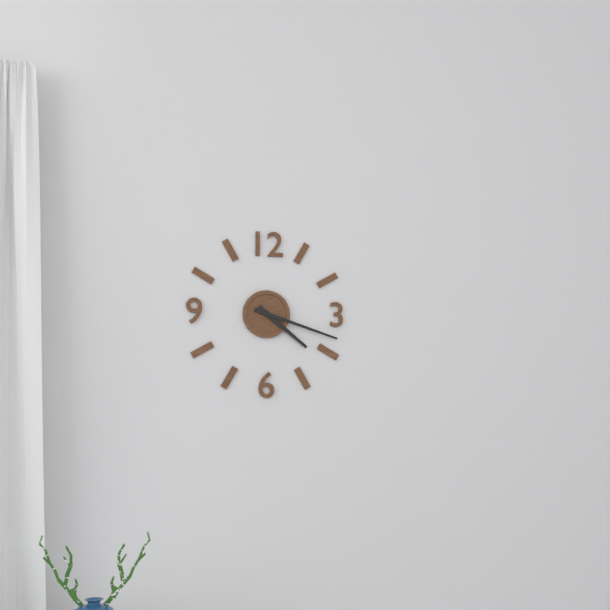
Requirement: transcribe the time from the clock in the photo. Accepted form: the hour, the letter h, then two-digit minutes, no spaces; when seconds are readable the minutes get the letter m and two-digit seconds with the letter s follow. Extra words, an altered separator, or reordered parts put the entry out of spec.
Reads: 4h18
